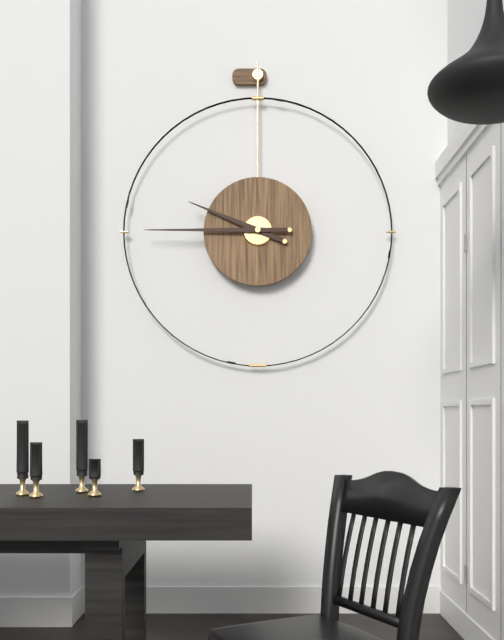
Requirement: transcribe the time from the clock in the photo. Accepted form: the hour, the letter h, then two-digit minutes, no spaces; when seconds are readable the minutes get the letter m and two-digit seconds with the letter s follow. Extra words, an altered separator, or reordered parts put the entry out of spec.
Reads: 9h45
